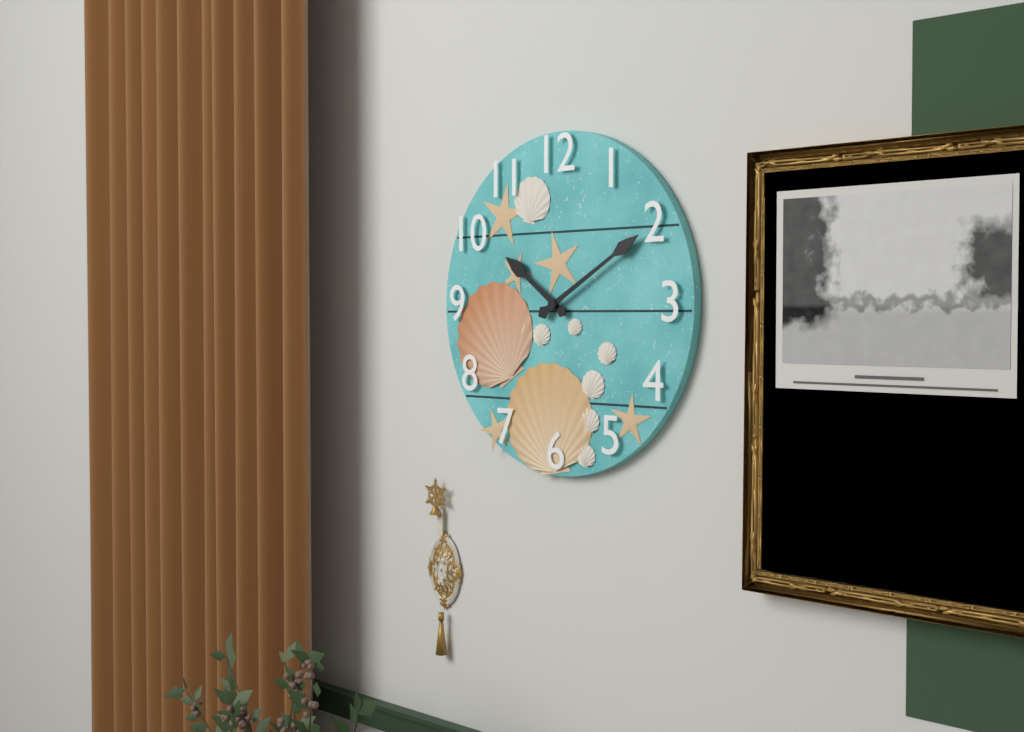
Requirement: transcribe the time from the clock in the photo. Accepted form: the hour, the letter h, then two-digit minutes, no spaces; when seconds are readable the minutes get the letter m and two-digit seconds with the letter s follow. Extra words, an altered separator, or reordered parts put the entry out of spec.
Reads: 10h10
